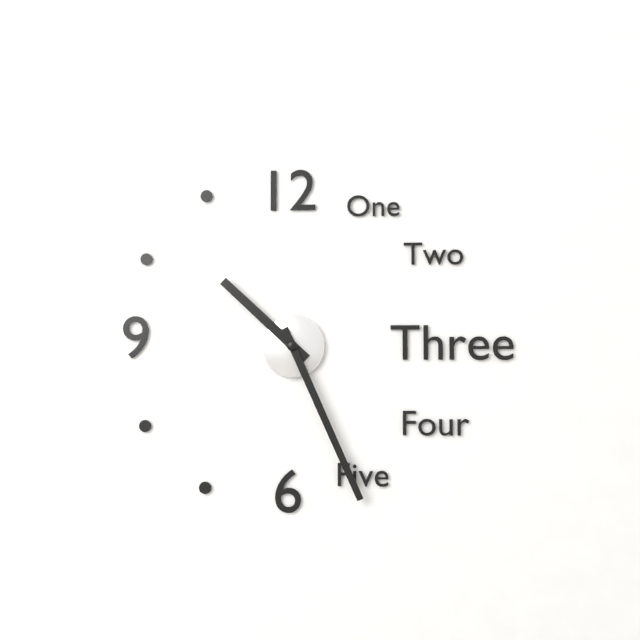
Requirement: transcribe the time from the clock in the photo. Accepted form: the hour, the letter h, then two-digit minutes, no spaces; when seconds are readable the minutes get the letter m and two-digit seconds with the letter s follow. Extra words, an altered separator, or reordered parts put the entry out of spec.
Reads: 10h26
